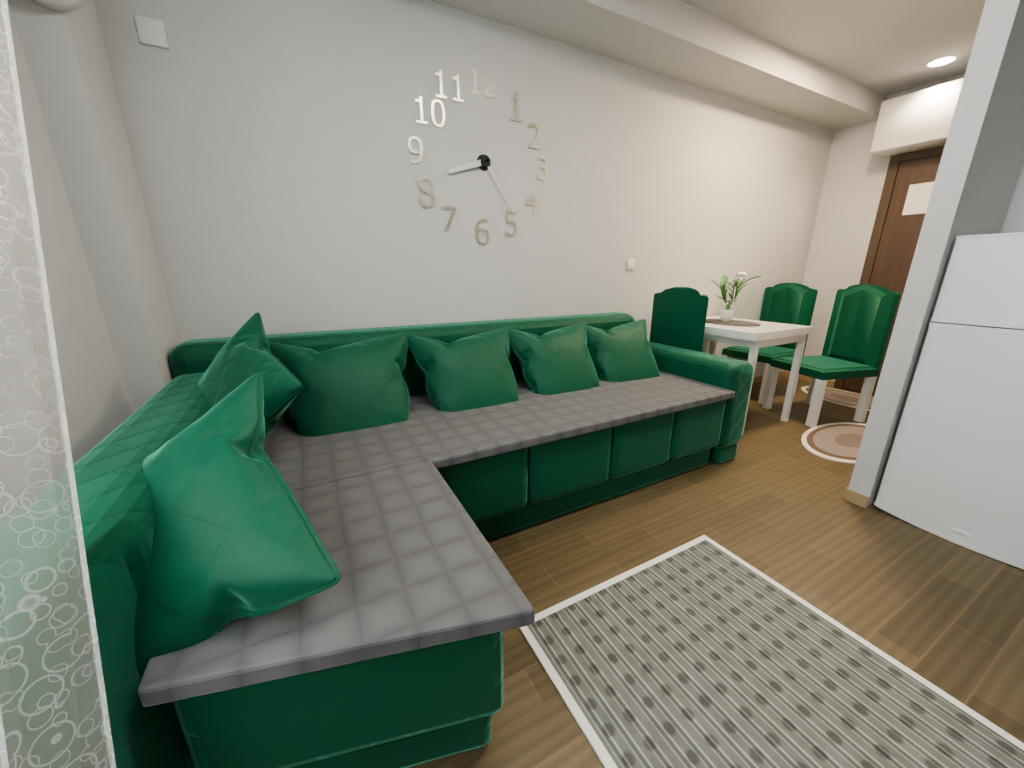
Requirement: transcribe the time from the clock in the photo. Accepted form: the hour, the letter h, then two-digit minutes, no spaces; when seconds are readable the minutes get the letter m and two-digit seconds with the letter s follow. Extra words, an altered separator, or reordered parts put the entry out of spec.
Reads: 8h24
